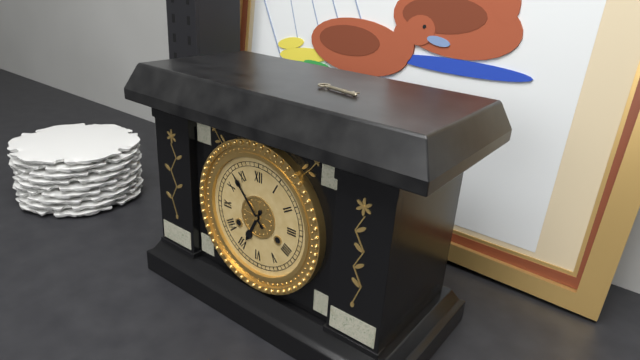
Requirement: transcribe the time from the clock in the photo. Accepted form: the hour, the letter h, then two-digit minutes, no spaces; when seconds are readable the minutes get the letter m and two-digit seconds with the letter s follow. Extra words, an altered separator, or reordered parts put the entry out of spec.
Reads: 6h53
